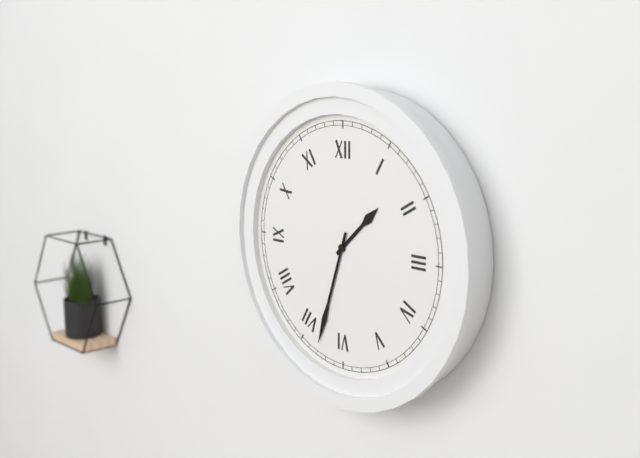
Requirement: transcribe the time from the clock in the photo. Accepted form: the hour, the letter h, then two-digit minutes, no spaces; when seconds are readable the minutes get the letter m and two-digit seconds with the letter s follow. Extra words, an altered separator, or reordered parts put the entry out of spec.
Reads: 1h33
